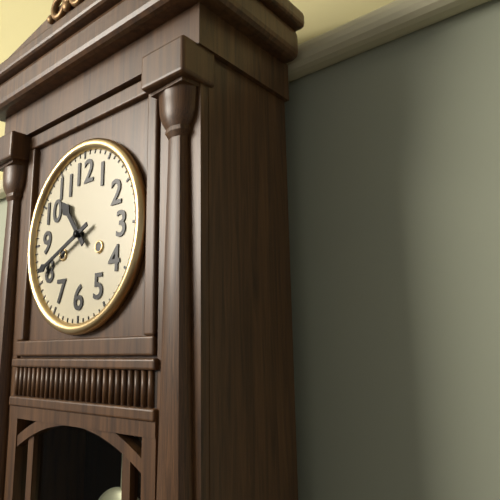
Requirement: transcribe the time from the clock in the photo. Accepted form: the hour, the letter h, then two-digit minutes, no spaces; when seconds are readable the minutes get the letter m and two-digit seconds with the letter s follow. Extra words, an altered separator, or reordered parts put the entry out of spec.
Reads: 10h41
